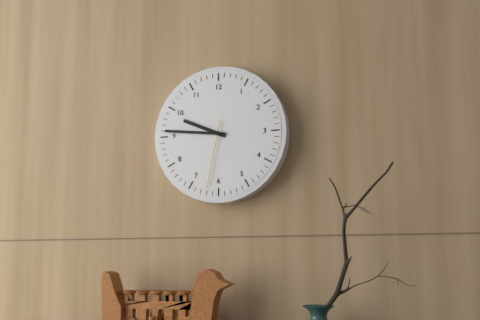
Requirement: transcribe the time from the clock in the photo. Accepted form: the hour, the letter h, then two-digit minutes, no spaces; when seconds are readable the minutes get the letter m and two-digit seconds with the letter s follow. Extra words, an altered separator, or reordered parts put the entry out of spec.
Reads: 9h46m32s
